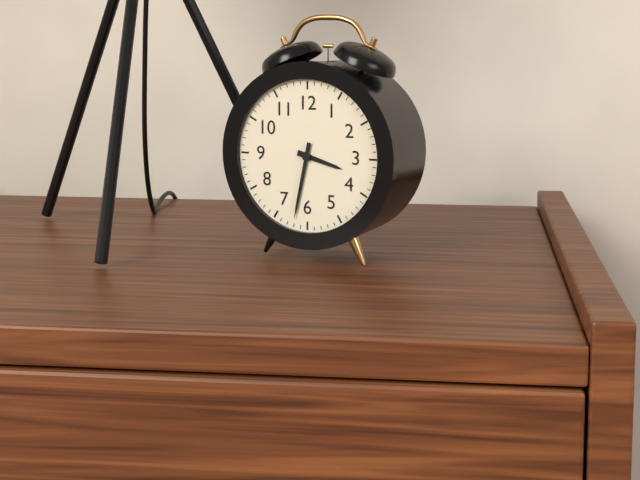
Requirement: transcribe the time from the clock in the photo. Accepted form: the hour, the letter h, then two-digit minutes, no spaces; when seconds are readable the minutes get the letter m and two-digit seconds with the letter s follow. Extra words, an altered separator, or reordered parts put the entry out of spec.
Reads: 3h32
